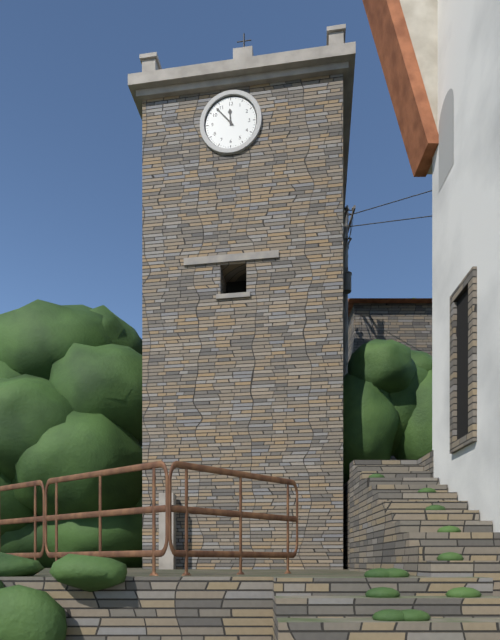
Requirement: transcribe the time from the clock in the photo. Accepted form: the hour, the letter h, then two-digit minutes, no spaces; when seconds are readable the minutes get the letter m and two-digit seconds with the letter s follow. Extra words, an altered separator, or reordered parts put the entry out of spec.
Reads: 11h53
